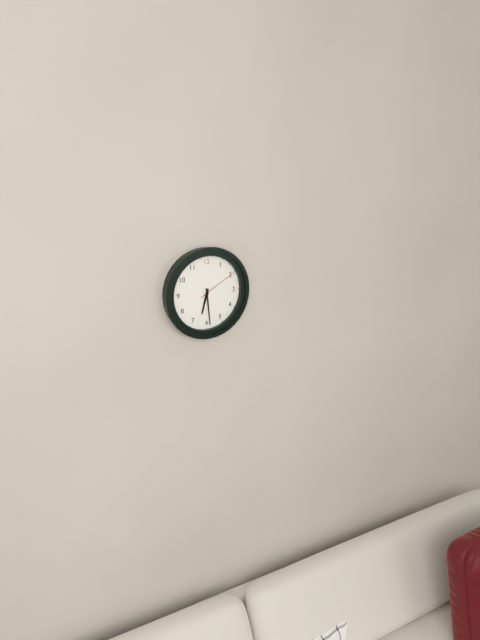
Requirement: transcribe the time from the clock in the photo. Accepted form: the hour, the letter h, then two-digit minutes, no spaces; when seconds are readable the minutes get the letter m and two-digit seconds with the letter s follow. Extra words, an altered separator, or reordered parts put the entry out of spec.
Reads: 6h29
